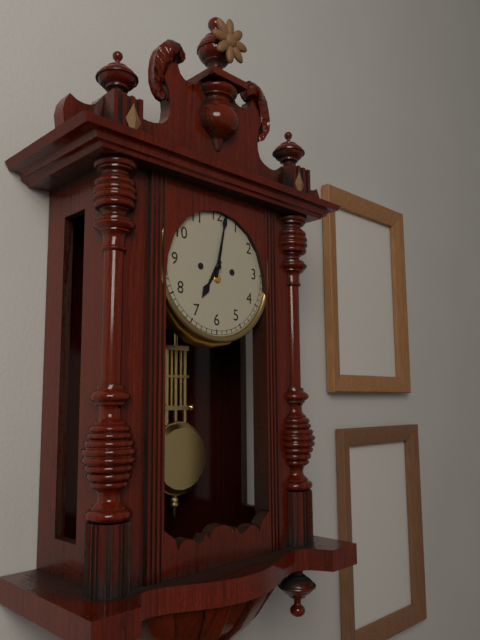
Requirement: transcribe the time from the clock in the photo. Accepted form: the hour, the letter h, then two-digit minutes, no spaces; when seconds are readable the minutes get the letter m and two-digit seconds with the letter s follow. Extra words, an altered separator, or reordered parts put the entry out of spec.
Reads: 7h02
